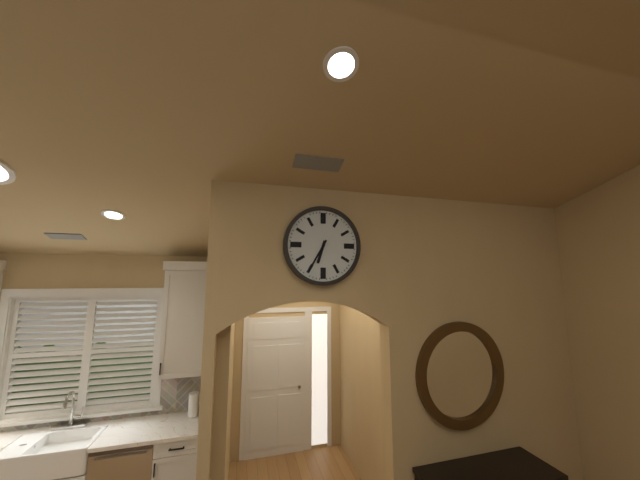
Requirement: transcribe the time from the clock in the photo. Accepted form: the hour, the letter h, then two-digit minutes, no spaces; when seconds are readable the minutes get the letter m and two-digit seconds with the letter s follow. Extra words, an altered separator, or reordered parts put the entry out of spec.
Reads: 6h35
